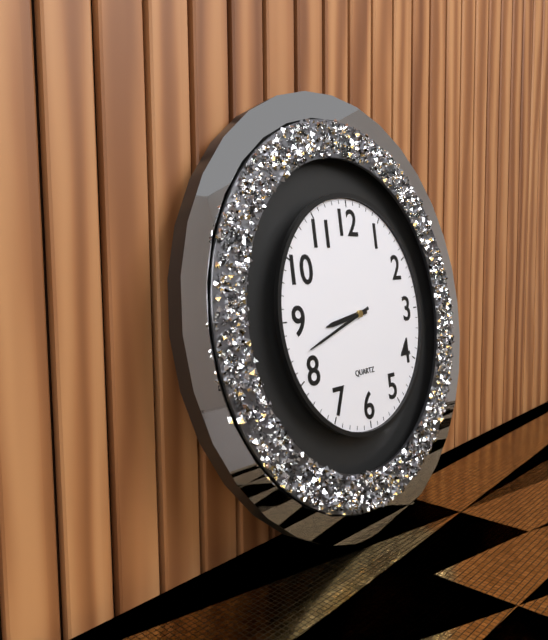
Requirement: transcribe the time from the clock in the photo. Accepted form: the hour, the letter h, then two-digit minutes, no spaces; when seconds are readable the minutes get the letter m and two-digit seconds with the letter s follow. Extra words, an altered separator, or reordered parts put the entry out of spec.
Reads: 8h42
